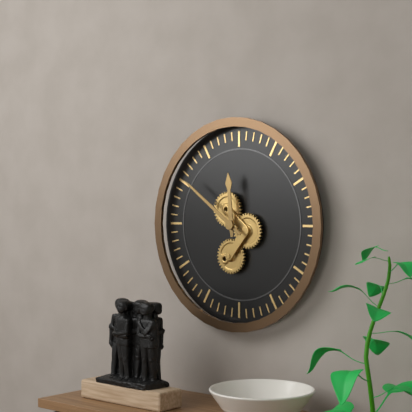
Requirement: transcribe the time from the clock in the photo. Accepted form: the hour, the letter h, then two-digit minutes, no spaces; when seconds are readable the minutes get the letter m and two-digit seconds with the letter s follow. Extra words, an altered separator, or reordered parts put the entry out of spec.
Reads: 11h51
